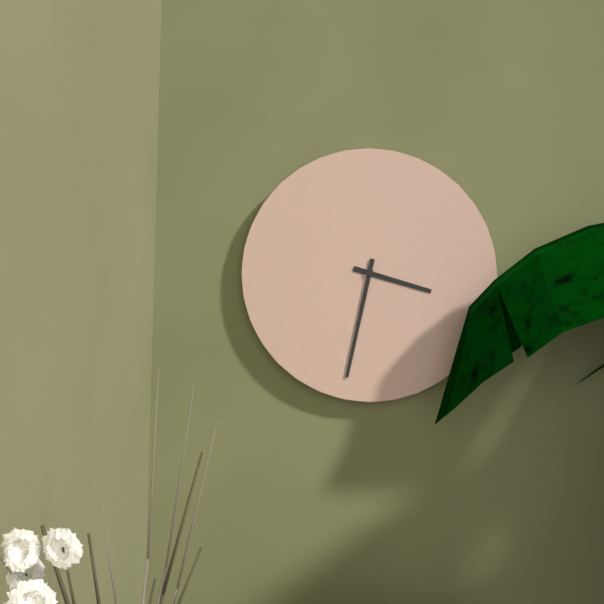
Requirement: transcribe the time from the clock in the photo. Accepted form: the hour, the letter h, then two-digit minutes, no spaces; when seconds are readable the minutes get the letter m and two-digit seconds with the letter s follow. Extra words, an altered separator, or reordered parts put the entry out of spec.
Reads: 3h32
